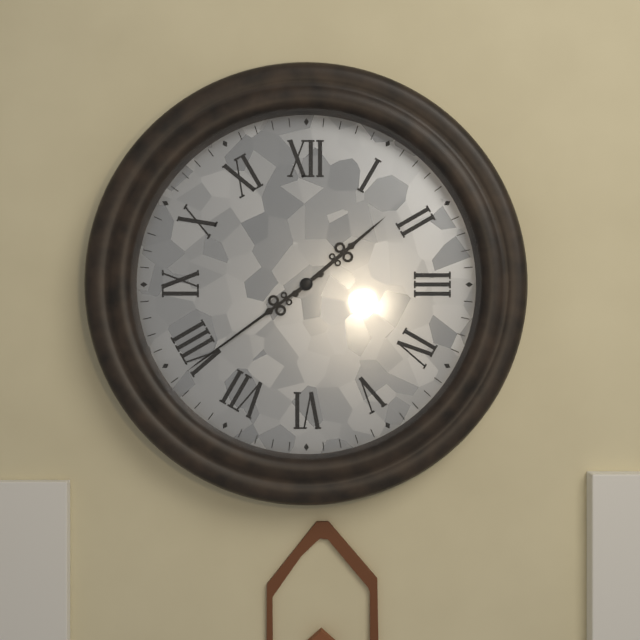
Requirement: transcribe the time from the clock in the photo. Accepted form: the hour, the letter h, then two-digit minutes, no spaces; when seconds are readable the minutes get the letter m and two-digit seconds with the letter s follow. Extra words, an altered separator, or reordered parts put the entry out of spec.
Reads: 1h39
